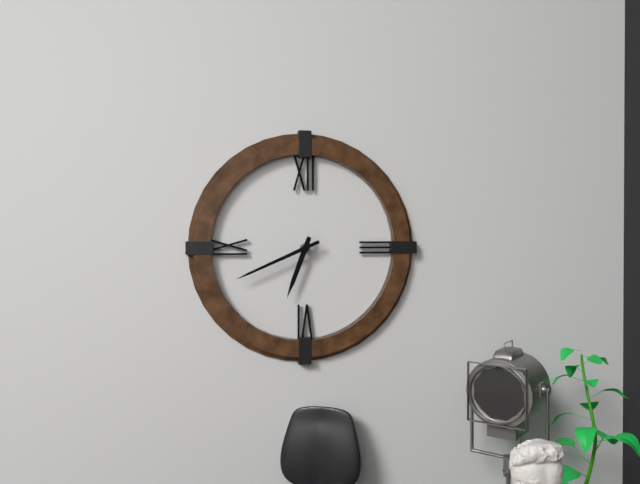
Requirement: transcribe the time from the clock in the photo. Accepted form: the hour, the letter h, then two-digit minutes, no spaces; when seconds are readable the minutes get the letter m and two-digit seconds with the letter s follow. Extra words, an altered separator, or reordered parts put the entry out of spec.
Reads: 6h41
